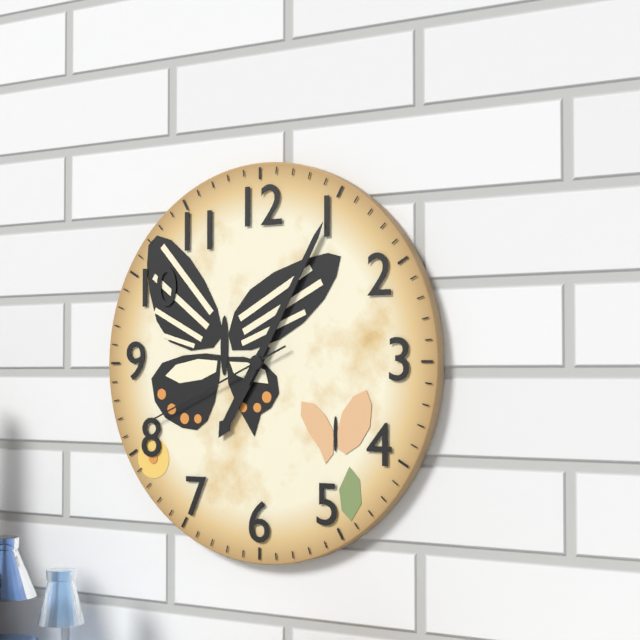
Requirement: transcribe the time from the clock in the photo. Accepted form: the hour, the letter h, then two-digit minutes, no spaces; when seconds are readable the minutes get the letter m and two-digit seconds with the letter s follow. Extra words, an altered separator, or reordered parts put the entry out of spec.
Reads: 7h05m41s
